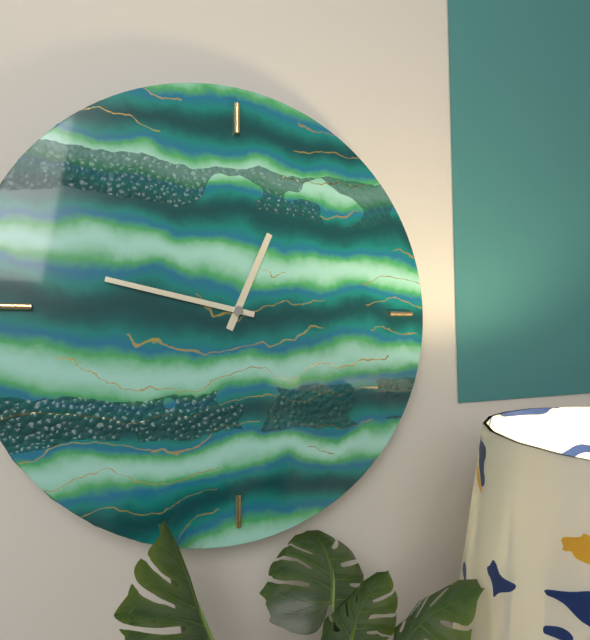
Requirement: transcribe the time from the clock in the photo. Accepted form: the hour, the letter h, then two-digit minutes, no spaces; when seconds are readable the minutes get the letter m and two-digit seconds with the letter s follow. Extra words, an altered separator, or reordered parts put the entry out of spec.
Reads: 12h47
